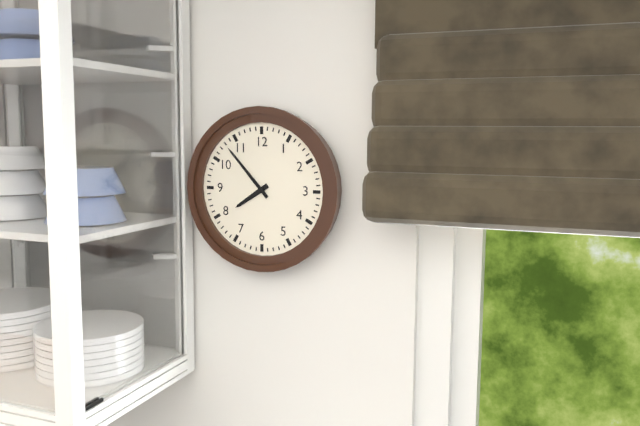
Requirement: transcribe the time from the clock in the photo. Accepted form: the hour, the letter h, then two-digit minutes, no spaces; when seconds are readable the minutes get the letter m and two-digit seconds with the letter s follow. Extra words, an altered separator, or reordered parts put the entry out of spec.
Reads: 7h53
